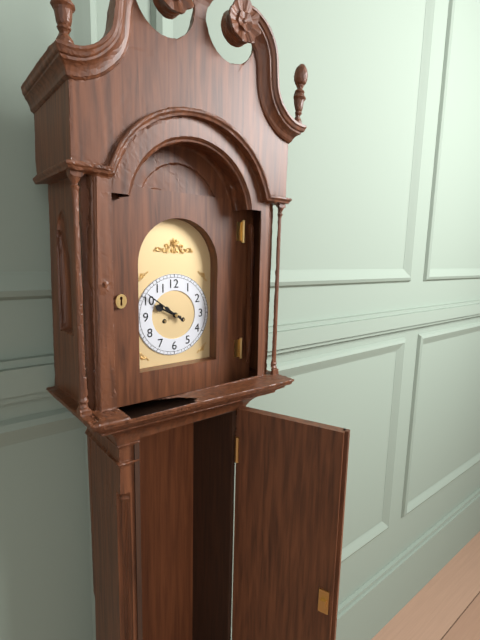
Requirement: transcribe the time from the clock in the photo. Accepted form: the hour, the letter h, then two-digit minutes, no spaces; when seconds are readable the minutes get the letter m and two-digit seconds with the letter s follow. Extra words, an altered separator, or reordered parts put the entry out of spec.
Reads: 9h51
